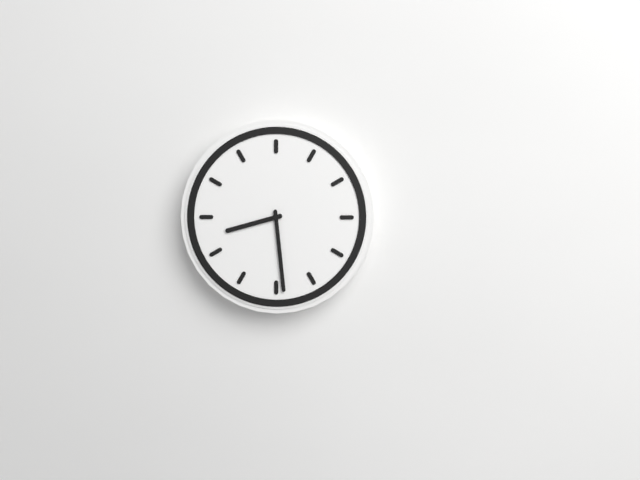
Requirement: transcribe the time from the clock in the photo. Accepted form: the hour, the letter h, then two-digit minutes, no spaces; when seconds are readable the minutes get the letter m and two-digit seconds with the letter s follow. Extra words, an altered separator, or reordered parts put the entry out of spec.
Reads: 8h29
